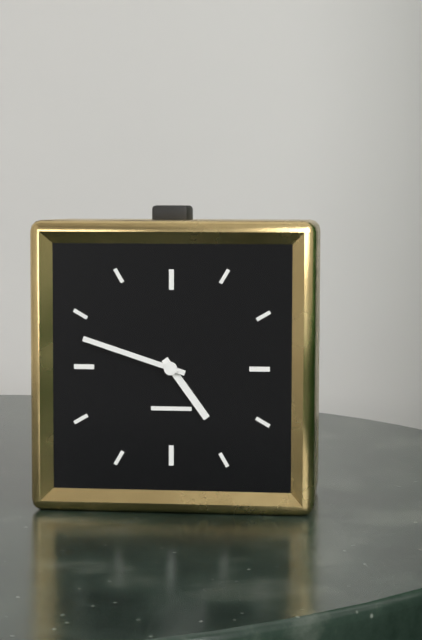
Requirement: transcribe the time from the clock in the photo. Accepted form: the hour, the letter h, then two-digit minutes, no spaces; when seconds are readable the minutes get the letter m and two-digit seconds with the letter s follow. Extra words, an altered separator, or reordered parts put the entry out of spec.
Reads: 4h48
